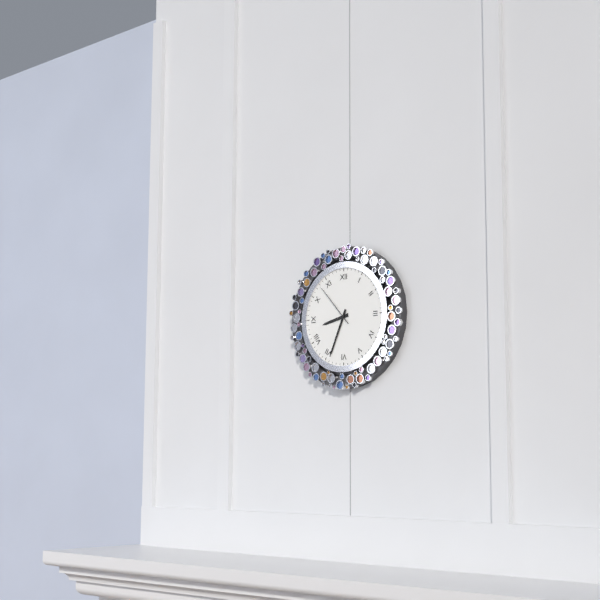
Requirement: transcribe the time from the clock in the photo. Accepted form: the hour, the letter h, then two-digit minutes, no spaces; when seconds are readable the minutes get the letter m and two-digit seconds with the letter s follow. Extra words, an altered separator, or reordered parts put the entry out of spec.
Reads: 8h34
